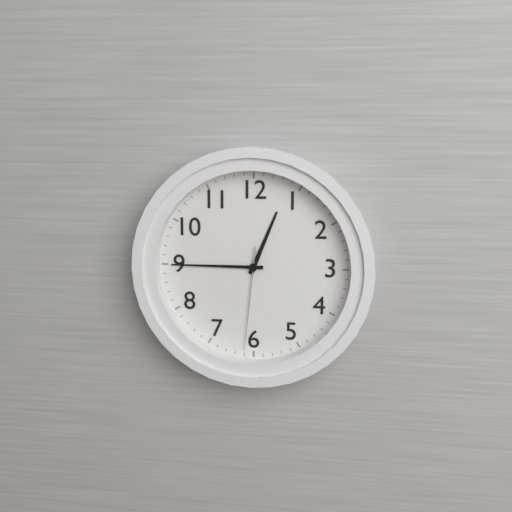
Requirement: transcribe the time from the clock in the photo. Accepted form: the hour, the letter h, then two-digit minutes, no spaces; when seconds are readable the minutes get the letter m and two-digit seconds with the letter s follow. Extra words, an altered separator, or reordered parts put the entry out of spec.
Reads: 12h45m31s
